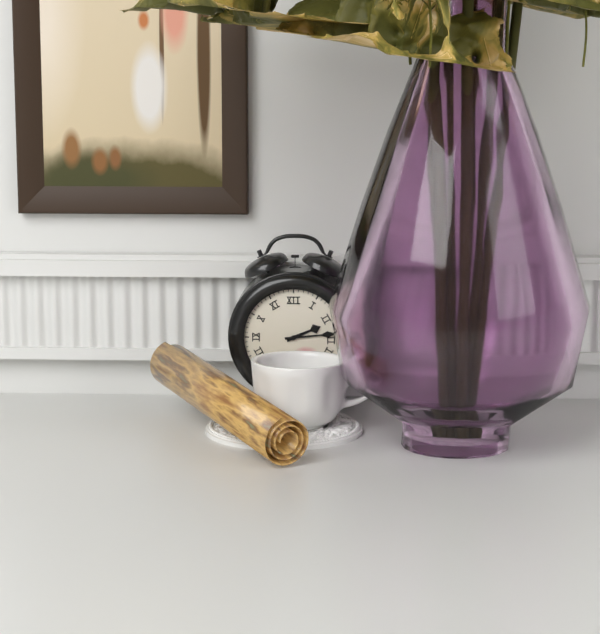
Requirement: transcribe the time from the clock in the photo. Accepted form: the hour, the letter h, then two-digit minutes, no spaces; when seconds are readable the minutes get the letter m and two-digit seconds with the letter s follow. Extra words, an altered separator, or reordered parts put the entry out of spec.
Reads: 2h14
